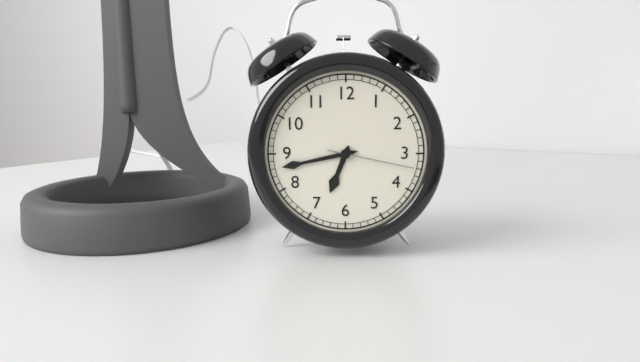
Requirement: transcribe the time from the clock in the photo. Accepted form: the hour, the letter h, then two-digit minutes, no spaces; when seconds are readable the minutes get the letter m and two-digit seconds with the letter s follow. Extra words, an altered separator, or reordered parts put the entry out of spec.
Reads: 6h43m17s
